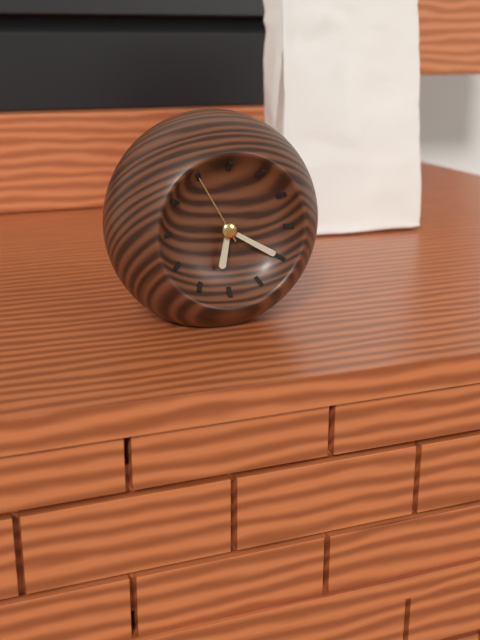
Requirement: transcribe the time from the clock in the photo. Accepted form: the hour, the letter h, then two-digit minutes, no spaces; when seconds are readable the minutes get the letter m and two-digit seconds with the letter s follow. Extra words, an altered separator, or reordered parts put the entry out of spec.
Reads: 6h20m55s
